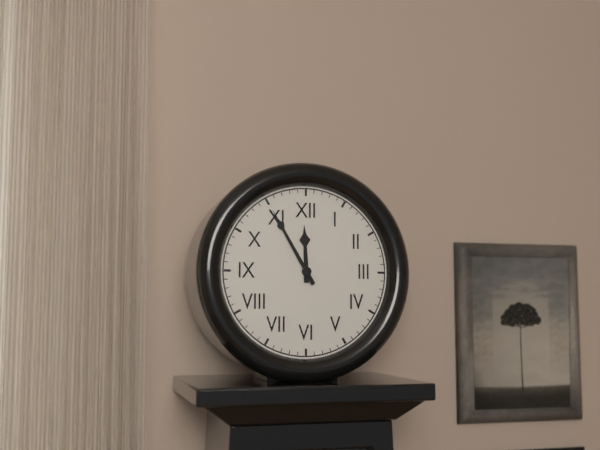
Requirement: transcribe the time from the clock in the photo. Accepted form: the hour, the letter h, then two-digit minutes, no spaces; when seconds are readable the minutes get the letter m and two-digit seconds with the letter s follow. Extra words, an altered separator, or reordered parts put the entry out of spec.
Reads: 11h55
